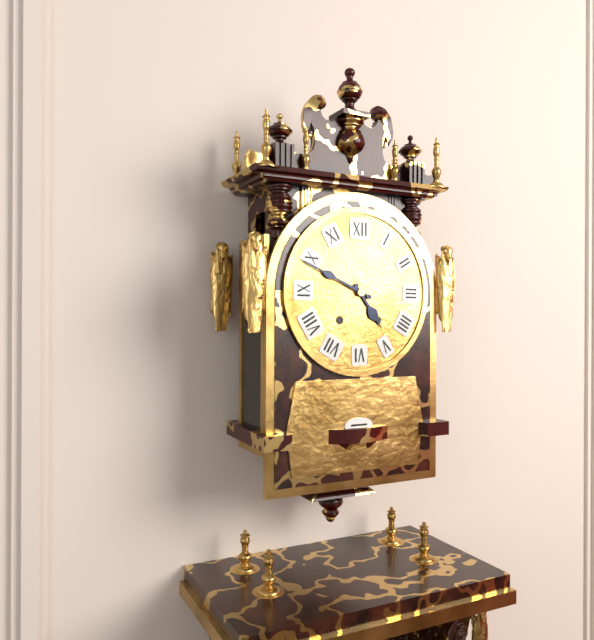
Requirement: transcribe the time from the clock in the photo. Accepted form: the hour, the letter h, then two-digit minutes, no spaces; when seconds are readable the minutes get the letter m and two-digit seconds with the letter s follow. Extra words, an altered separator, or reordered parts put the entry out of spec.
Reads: 4h49
